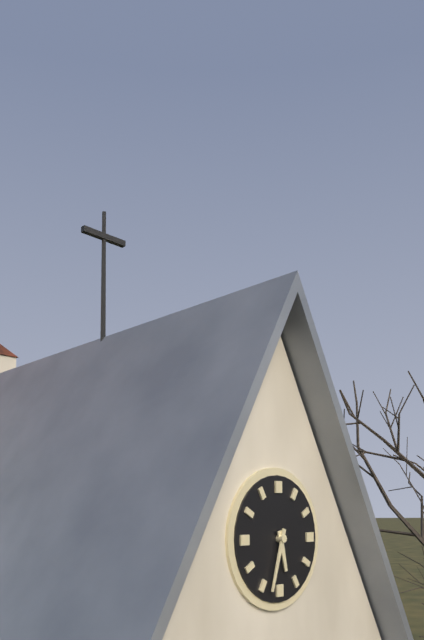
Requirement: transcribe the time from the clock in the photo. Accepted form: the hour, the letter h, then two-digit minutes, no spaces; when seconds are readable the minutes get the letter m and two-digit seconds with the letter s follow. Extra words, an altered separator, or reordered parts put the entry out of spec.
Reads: 5h33
